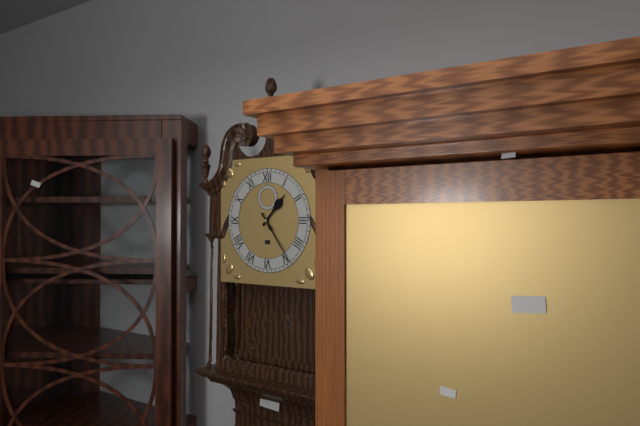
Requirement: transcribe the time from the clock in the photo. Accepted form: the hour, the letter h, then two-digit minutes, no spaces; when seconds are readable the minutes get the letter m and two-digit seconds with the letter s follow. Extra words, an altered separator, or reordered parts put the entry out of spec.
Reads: 1h24
